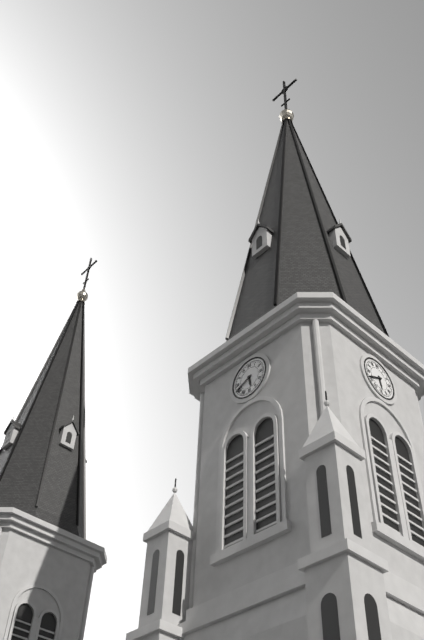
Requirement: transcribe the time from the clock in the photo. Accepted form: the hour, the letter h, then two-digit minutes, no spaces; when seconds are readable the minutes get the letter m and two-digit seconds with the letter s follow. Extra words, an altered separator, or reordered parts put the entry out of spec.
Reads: 5h41
